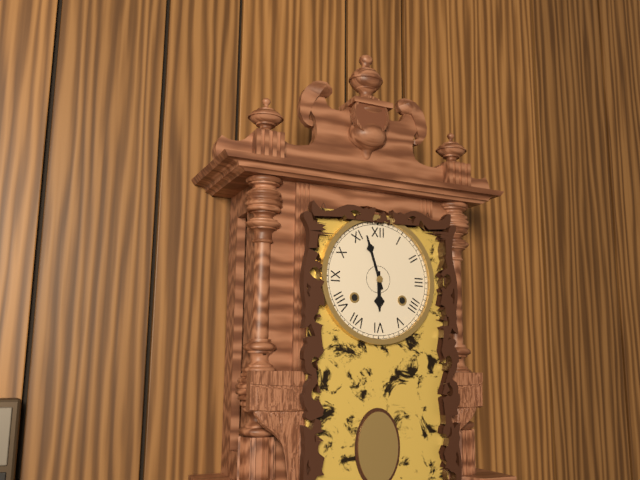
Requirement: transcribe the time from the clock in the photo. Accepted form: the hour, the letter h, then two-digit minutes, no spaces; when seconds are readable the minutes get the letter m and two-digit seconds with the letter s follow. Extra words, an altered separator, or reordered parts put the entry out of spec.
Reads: 5h57
